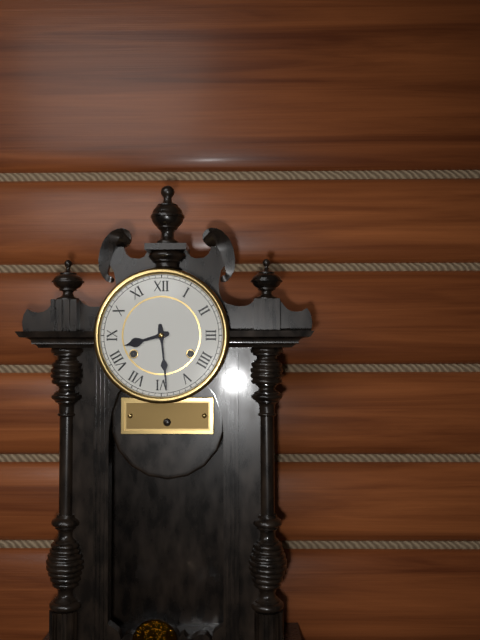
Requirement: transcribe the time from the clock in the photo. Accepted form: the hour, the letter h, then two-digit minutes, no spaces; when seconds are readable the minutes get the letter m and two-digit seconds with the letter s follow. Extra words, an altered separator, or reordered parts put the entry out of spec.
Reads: 8h29
